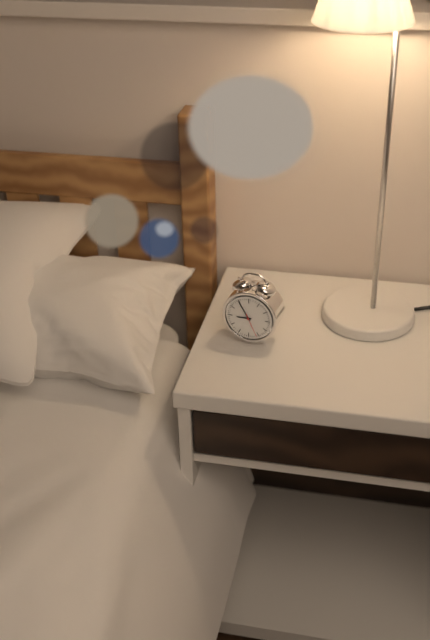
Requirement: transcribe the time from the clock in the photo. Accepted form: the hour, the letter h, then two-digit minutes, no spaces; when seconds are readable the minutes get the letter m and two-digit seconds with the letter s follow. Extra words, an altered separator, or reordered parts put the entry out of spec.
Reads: 8h55
